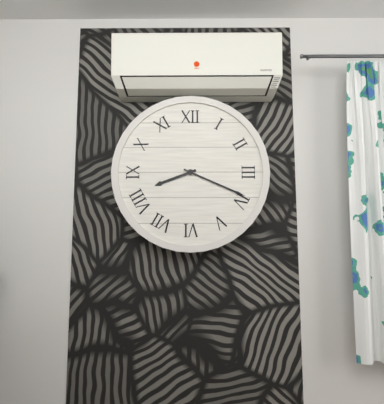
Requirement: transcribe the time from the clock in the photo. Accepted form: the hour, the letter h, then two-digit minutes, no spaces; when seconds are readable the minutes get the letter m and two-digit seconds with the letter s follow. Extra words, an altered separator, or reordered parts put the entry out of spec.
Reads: 8h19
